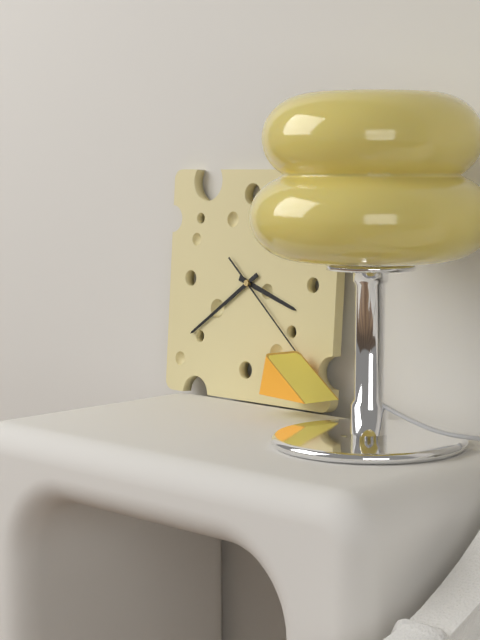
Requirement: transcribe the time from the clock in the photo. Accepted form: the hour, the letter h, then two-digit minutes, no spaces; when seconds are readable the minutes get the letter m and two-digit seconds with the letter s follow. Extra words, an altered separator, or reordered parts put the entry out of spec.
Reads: 3h39m22s
